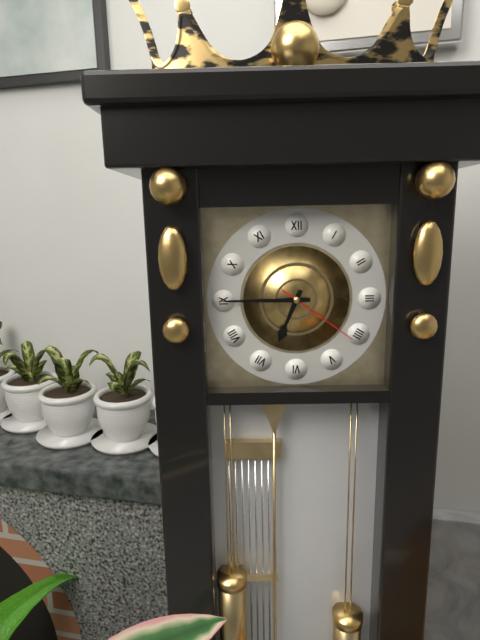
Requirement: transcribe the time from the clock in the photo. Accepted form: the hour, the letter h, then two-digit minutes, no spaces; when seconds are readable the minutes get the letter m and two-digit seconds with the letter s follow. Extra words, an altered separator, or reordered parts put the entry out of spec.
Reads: 6h45m21s
